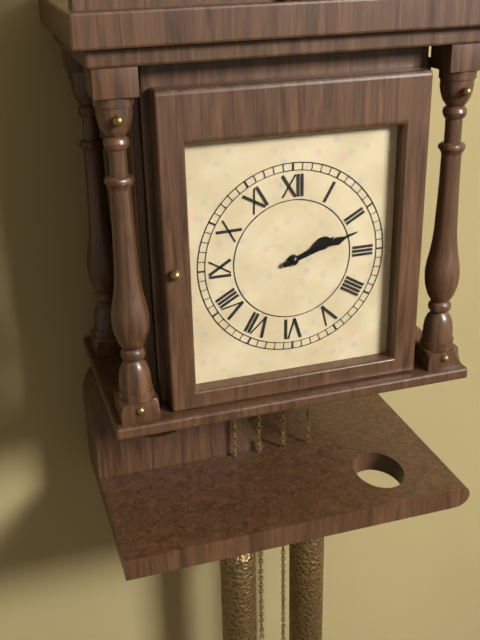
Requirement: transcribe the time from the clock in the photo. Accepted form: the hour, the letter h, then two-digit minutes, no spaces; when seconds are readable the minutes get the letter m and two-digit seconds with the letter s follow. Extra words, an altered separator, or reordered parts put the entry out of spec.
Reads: 2h12
